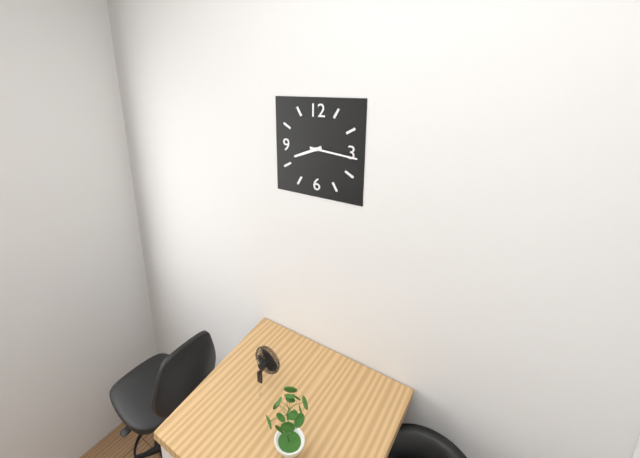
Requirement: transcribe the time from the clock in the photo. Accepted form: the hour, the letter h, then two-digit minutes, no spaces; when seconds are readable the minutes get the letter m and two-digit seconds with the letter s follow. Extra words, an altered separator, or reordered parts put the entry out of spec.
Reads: 8h16
